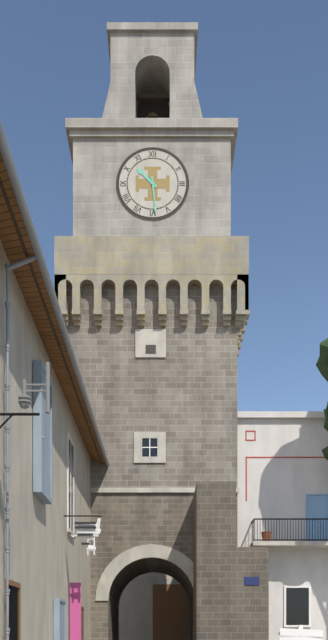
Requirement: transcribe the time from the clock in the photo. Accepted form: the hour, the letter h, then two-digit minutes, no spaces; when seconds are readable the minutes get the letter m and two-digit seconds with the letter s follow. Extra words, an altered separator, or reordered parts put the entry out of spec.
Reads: 10h29
